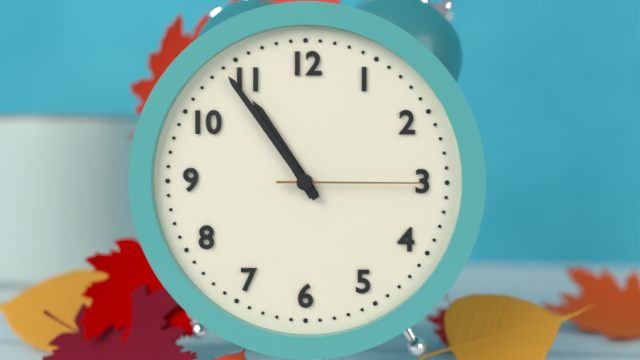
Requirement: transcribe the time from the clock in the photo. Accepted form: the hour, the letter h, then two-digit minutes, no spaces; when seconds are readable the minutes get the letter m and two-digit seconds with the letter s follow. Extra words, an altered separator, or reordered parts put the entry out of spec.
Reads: 10h54m15s
